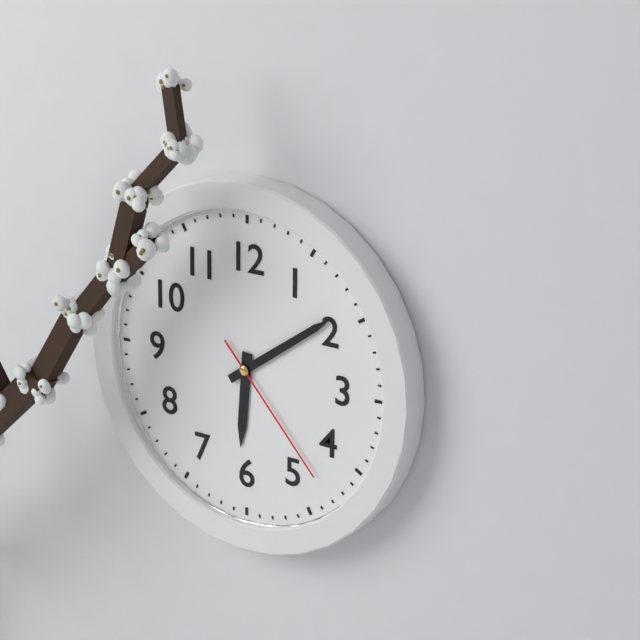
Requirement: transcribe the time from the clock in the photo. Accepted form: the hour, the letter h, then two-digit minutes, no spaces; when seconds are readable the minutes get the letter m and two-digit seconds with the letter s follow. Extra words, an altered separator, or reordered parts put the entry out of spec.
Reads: 6h09m23s
